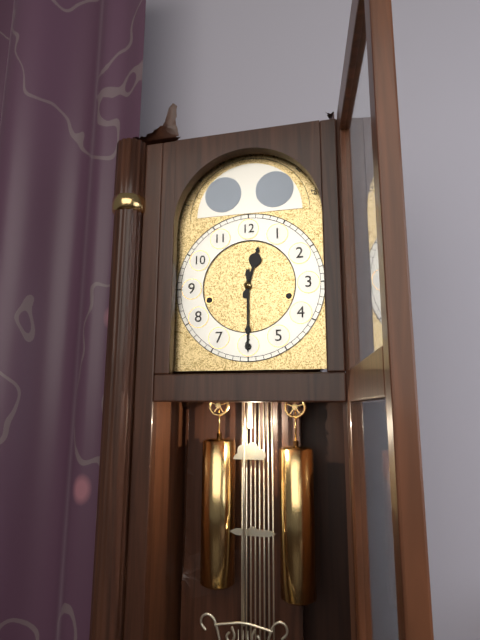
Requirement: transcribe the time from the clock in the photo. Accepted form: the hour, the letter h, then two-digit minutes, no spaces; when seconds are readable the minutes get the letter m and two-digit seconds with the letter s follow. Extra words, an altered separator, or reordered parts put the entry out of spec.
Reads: 12h30
